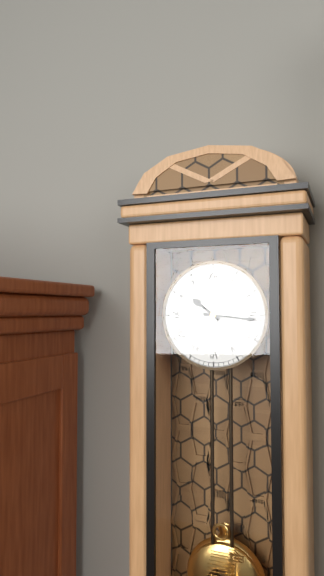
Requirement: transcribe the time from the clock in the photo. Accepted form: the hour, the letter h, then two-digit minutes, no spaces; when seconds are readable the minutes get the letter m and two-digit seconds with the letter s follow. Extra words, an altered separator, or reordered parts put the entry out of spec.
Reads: 10h16
